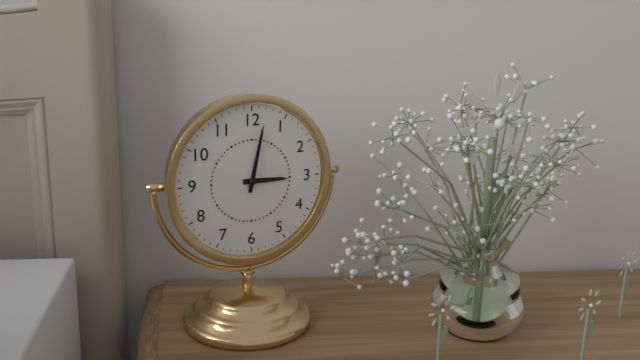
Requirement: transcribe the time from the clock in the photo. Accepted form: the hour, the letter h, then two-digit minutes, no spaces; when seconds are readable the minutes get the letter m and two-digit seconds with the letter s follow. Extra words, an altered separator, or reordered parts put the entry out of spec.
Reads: 3h02
